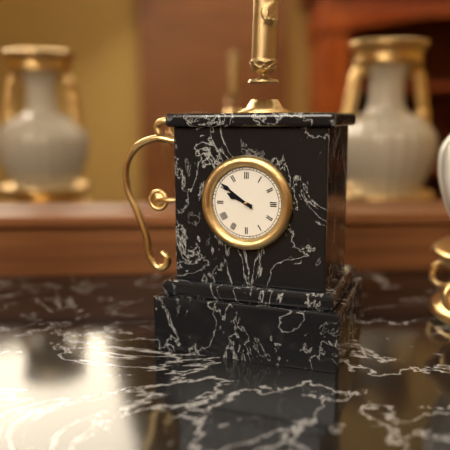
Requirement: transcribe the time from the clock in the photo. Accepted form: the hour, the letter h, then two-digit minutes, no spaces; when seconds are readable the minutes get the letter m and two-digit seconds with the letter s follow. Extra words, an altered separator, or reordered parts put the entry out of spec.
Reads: 9h51
